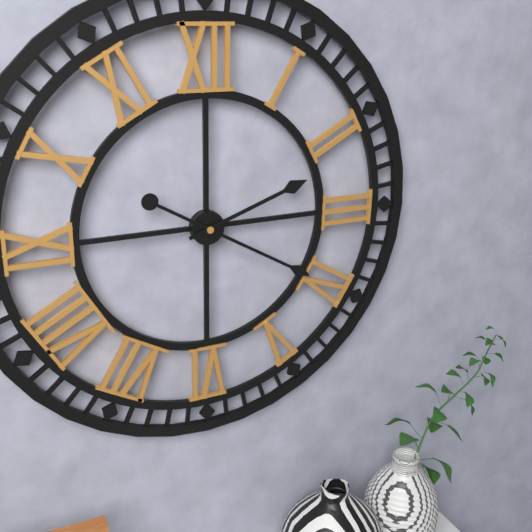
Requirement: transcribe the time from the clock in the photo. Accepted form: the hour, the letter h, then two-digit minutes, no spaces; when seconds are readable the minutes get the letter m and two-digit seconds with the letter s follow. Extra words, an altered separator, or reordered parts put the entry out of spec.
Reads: 2h20
